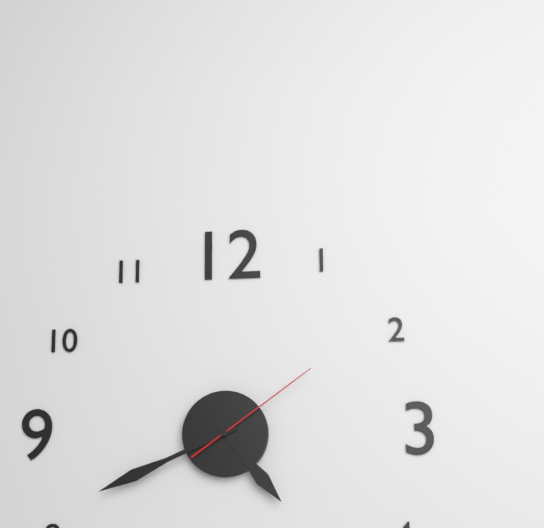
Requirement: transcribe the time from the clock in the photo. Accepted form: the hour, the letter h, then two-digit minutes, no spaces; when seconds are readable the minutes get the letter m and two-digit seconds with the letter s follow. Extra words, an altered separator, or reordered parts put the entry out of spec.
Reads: 4h41m09s
